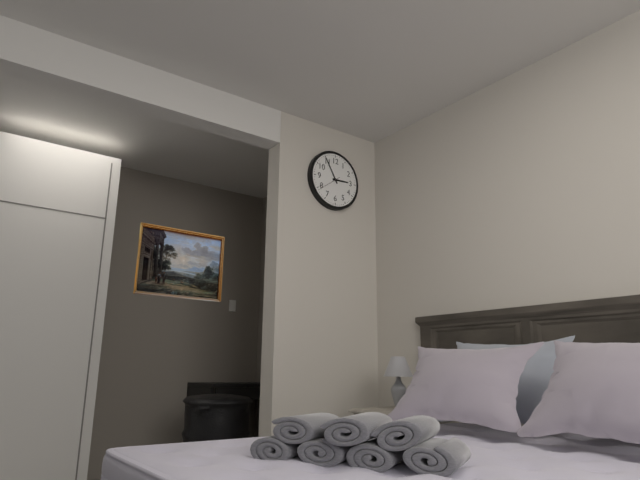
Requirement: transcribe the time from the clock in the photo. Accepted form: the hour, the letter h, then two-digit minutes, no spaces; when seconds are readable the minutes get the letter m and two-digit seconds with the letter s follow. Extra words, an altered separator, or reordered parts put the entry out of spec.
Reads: 2h55
